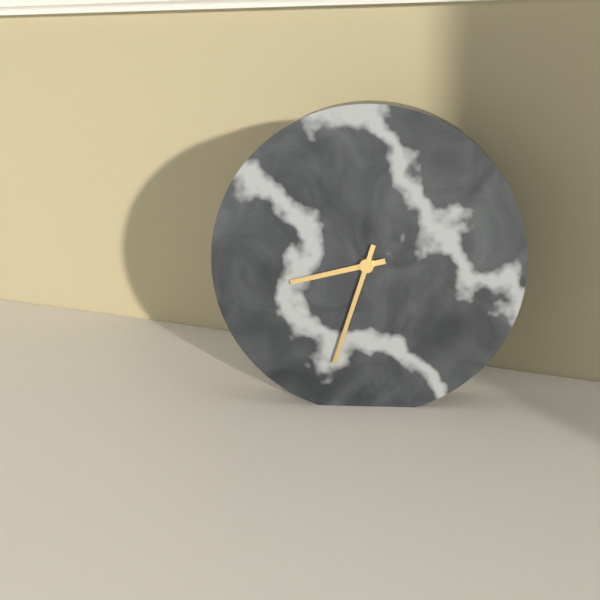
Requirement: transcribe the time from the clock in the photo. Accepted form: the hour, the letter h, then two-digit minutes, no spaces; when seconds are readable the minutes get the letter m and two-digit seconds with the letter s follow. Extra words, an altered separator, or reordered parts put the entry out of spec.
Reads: 8h33
